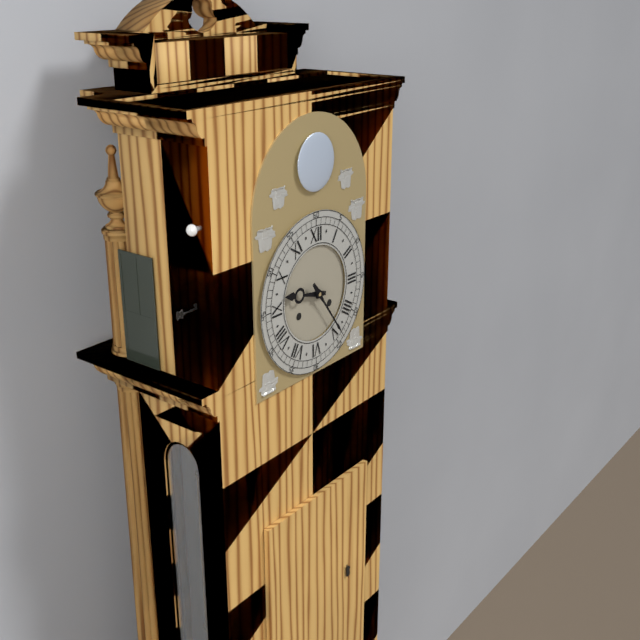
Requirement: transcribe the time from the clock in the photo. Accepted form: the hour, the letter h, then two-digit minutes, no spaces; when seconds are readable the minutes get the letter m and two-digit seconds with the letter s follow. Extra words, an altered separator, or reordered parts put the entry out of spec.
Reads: 9h24
